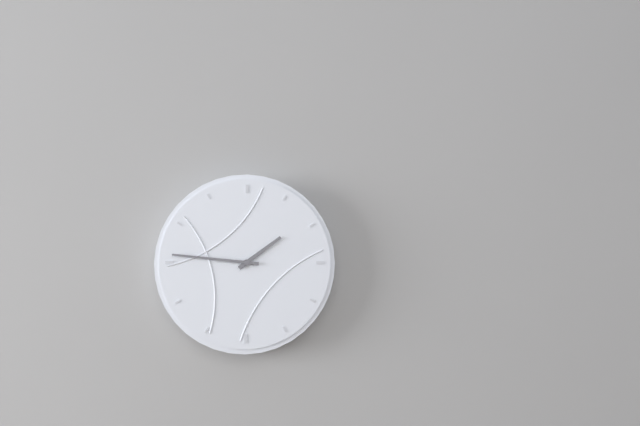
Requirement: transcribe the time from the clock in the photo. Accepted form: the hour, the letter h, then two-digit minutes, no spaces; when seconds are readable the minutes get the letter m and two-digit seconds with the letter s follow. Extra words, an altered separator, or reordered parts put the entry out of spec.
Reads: 1h46
